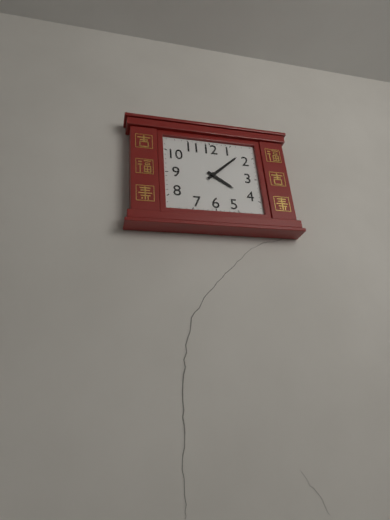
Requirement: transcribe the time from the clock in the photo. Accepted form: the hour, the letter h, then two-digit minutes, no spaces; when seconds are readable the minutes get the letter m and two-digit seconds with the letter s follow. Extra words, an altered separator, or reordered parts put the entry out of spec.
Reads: 4h08
